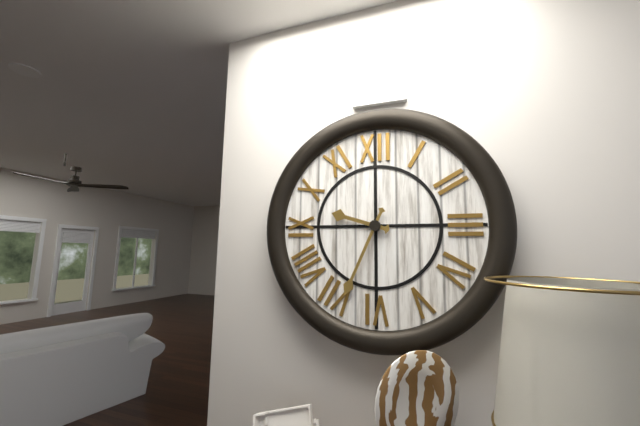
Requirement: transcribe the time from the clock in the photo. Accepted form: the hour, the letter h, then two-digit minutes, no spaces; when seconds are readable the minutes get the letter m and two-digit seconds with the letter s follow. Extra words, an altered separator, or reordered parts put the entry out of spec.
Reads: 9h34
